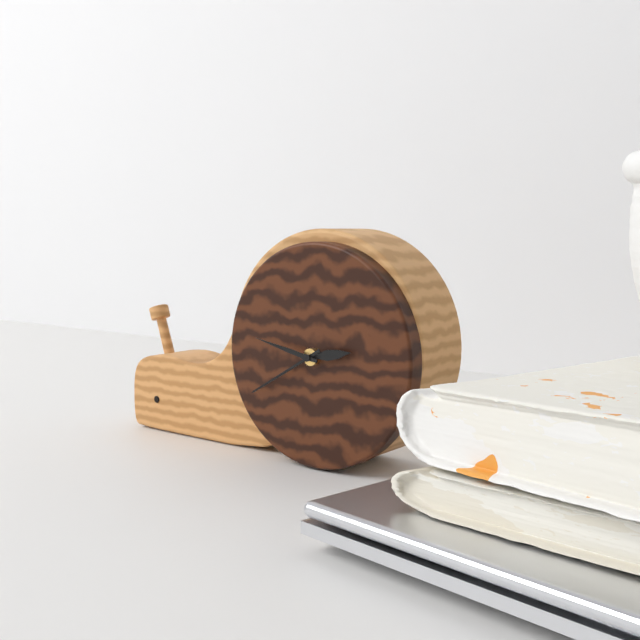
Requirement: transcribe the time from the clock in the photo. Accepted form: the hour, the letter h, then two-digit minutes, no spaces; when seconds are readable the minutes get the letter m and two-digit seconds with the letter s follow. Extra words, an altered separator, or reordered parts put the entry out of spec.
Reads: 2h40m47s
